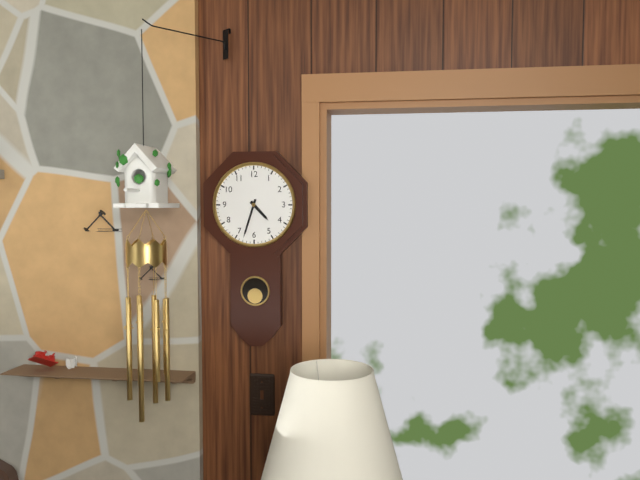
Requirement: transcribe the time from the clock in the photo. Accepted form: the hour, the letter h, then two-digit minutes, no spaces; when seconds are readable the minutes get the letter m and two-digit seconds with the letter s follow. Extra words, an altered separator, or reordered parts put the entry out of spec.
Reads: 4h33
